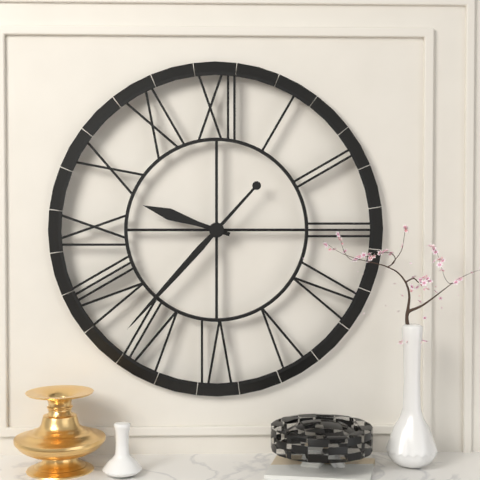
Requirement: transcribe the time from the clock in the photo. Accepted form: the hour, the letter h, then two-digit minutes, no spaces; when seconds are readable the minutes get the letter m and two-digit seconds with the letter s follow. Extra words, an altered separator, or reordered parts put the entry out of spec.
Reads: 9h37
